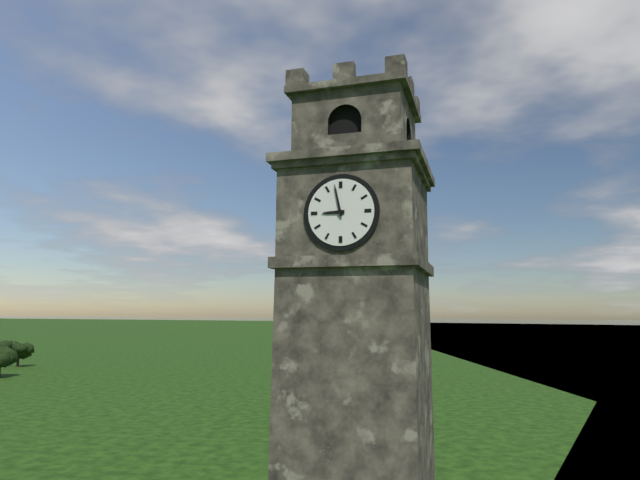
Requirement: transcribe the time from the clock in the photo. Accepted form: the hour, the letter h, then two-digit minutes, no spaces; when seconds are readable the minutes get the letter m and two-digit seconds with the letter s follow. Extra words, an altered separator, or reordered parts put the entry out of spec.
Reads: 8h58
